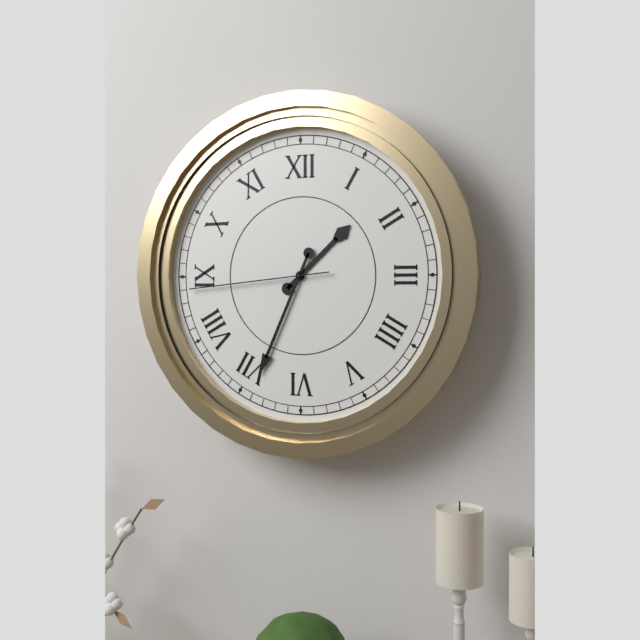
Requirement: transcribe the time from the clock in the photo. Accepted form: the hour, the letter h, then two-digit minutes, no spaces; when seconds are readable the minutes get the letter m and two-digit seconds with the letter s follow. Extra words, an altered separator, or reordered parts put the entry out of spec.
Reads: 1h34m44s
